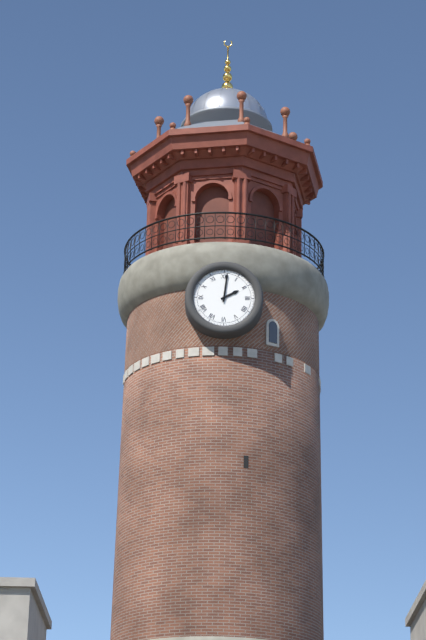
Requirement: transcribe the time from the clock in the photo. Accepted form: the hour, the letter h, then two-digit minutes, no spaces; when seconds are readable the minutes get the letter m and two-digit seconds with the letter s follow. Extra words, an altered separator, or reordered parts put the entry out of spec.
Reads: 2h01
